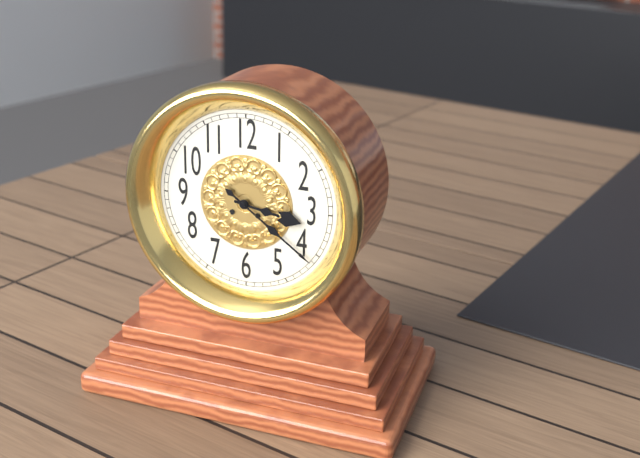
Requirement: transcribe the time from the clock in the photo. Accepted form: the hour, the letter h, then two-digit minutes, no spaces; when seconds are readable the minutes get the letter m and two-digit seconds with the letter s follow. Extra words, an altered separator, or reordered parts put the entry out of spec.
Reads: 3h21
